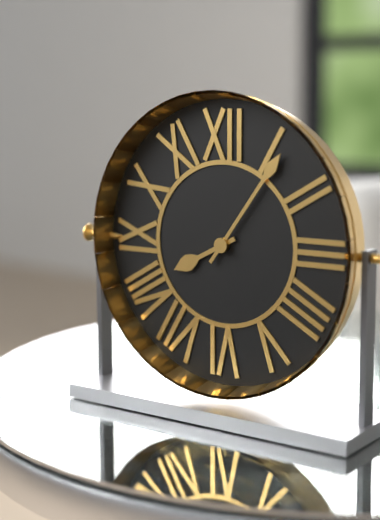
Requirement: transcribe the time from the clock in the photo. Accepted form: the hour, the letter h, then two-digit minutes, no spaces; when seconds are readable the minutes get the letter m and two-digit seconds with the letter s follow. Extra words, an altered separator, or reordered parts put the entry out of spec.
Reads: 8h06
